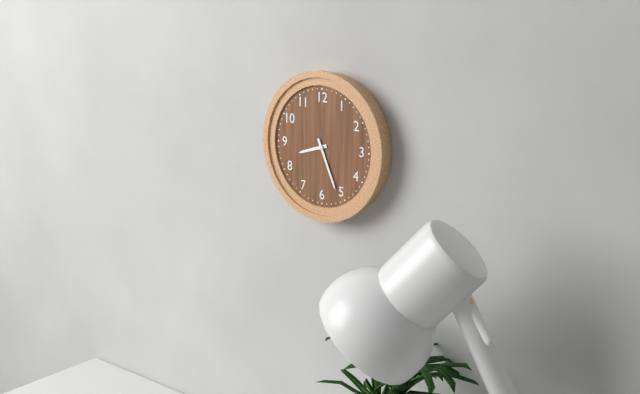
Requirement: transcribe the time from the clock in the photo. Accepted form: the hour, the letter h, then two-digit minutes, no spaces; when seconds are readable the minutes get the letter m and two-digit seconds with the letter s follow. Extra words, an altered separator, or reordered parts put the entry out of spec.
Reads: 8h26
